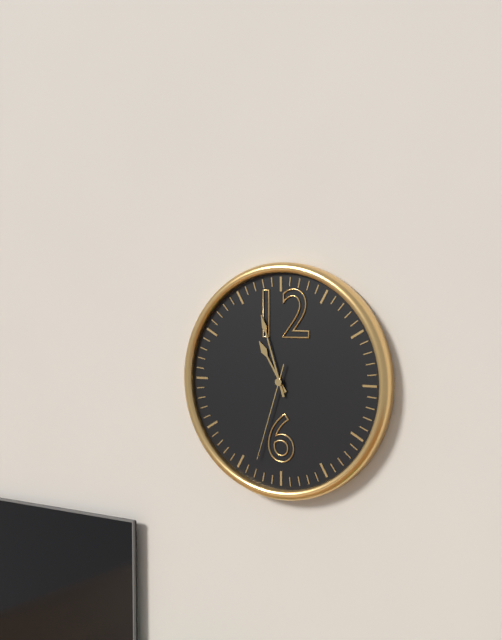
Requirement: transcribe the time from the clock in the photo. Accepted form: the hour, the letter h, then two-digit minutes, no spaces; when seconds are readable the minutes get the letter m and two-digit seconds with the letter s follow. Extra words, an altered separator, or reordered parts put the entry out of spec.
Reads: 10h57m33s
